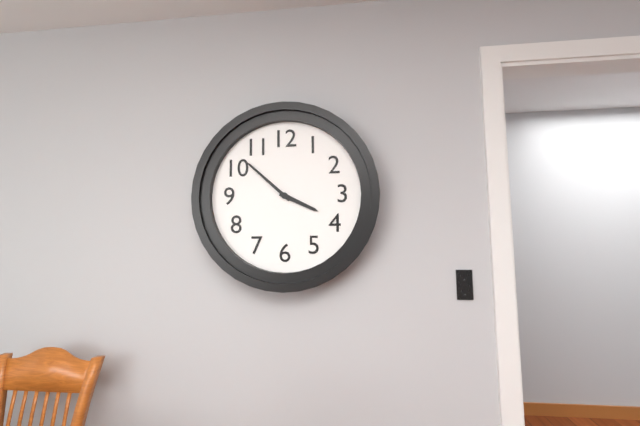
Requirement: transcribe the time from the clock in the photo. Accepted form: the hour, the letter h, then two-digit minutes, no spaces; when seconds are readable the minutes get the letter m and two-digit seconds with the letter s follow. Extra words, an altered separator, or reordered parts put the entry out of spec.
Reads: 3h52
